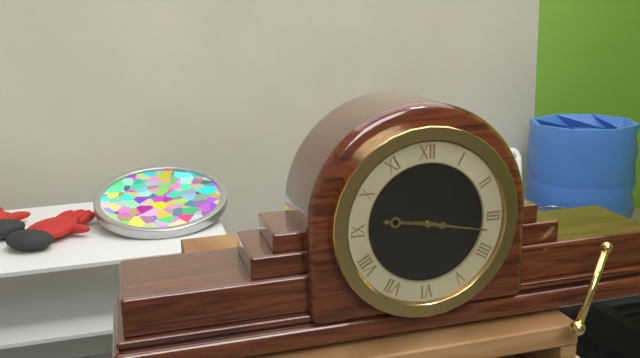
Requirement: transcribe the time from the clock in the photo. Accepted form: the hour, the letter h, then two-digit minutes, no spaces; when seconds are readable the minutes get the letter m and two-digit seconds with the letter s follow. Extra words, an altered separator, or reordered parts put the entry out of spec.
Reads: 9h17
